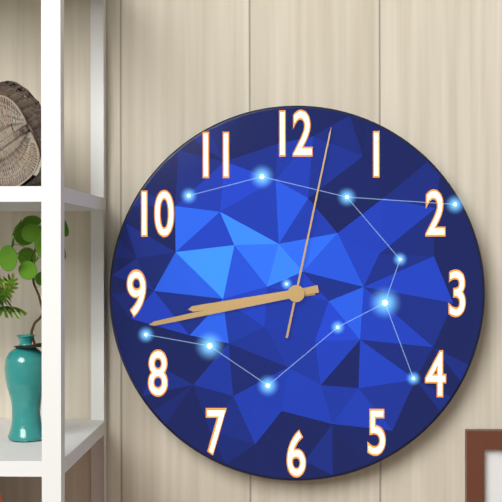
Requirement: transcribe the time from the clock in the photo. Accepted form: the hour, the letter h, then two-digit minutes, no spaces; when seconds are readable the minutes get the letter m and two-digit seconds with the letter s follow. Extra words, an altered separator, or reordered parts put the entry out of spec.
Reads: 8h43m02s
